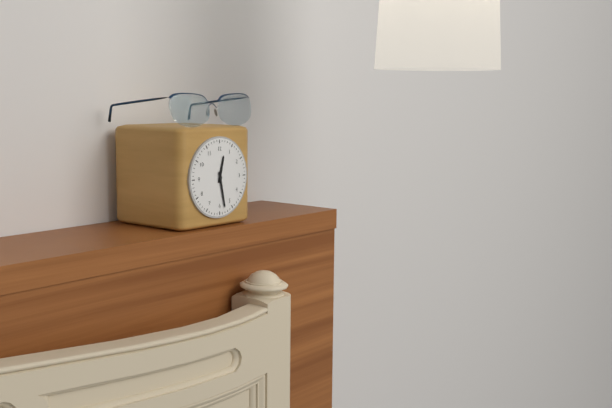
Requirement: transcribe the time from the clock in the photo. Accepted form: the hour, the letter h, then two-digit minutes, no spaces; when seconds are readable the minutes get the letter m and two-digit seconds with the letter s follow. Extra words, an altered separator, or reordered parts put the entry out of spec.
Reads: 12h28
